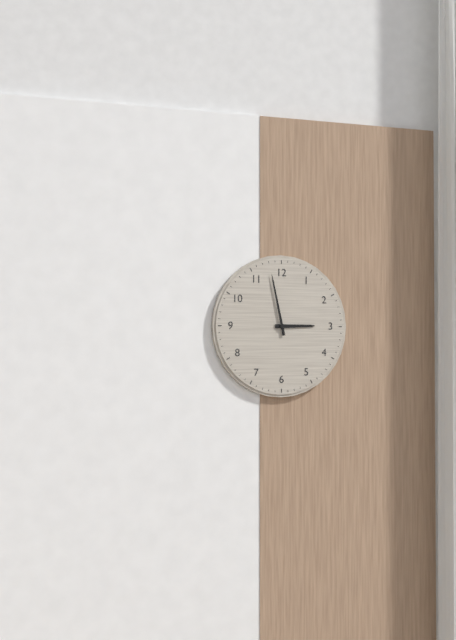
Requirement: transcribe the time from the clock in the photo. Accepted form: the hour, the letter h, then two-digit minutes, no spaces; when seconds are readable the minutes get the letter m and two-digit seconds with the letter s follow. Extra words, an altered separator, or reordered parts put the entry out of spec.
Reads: 2h58
